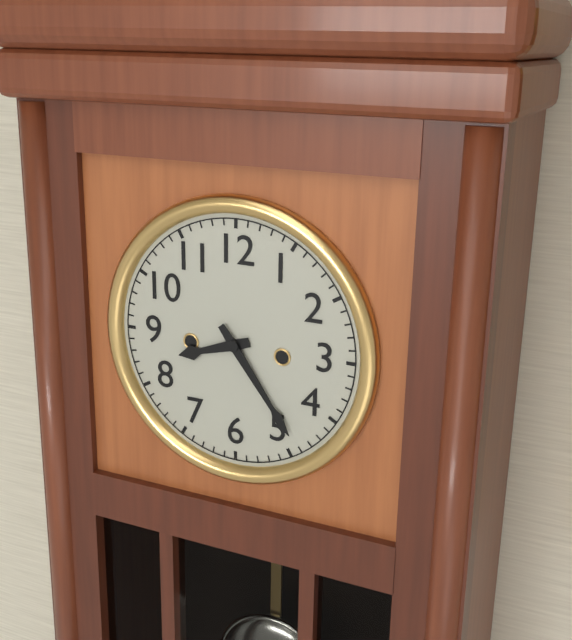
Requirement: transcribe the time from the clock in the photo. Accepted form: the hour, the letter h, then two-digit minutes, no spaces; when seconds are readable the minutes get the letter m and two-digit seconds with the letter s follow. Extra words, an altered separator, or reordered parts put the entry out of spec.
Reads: 8h24
